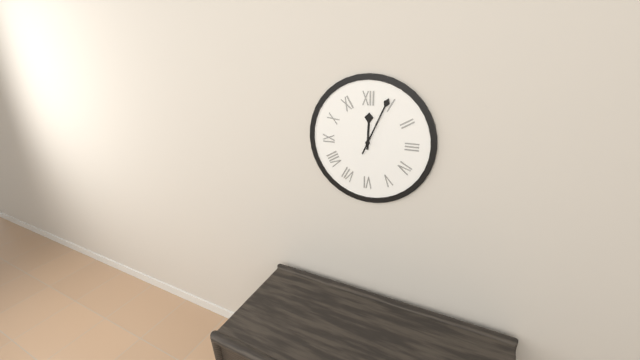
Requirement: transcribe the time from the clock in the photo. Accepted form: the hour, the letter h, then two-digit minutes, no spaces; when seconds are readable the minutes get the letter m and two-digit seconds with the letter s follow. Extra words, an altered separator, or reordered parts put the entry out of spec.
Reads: 12h04
